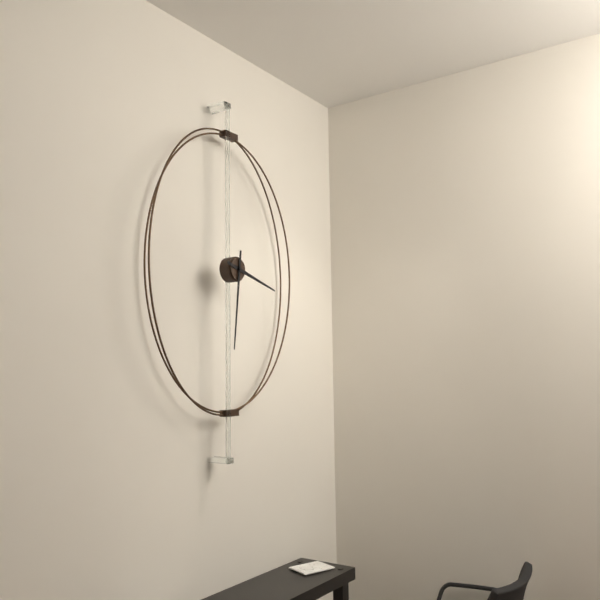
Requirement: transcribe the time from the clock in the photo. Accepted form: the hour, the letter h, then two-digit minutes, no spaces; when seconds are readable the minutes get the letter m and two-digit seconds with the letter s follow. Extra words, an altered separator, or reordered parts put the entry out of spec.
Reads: 3h31
